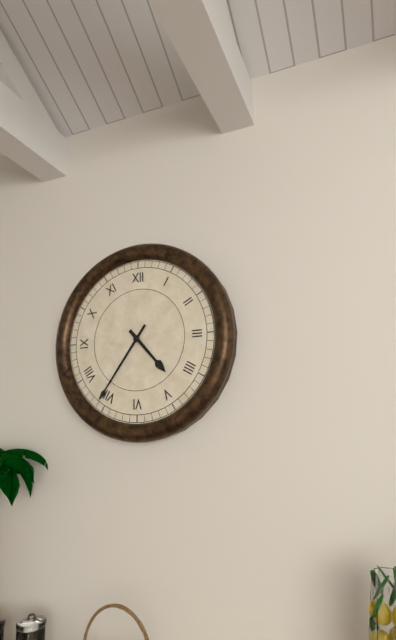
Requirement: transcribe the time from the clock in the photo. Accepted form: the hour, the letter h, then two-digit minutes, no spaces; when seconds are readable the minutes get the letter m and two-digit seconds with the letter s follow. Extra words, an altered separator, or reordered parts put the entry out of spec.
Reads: 4h36
